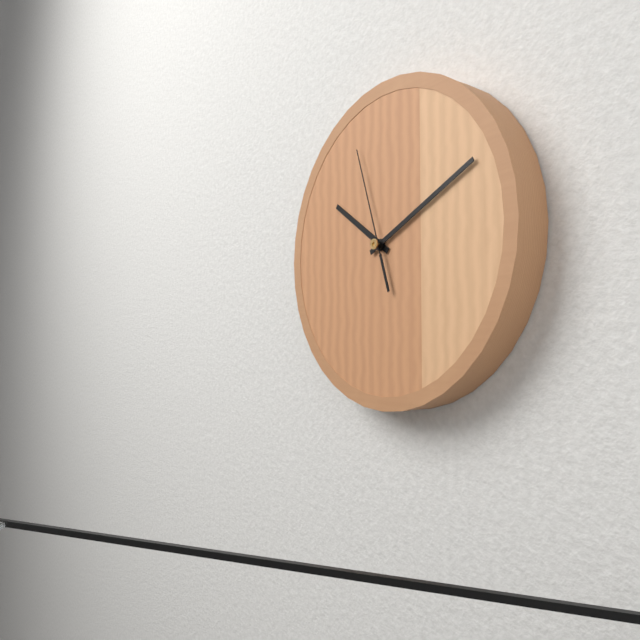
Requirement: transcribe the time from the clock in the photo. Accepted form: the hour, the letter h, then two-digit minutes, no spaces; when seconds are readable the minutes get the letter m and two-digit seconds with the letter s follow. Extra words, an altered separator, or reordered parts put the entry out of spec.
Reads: 10h11m57s
